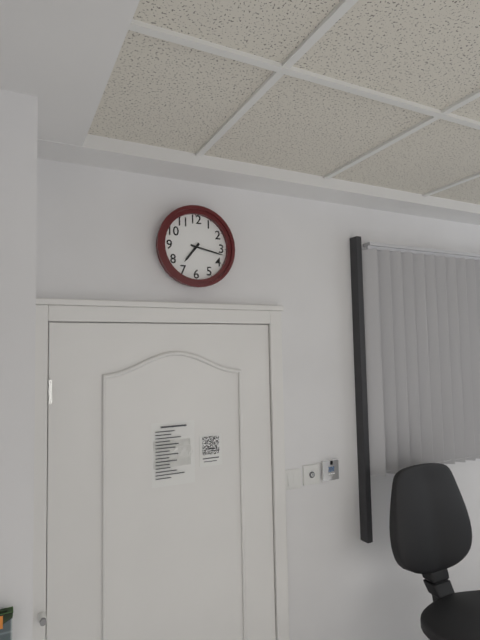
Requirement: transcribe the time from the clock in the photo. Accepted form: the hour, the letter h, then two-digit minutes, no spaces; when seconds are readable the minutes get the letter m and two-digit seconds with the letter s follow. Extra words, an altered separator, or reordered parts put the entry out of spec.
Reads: 7h17
